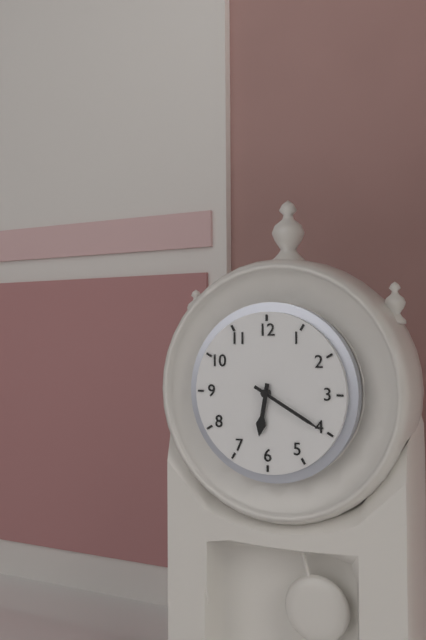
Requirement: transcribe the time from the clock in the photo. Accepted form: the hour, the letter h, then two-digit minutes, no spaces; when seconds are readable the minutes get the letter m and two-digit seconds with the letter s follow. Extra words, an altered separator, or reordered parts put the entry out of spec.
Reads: 6h20
